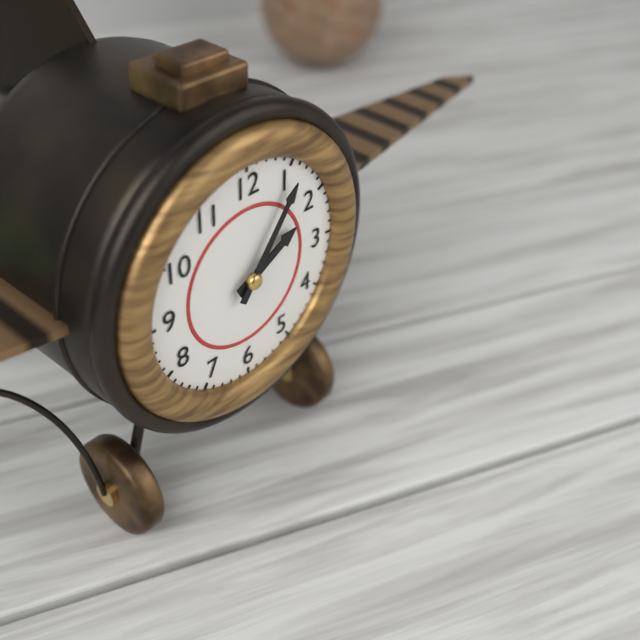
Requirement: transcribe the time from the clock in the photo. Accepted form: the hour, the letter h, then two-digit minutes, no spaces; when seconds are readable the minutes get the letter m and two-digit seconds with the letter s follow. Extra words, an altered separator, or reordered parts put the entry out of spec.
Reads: 2h06
